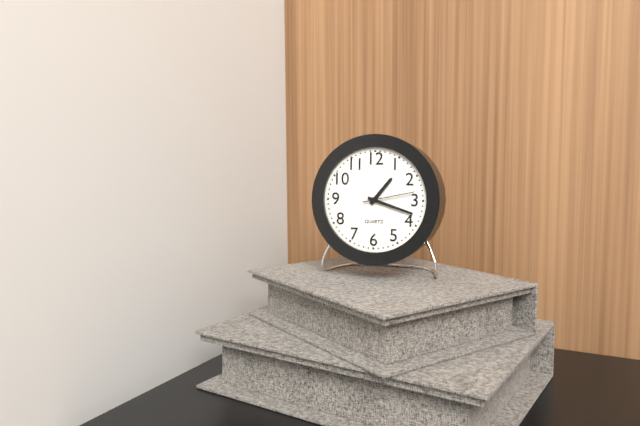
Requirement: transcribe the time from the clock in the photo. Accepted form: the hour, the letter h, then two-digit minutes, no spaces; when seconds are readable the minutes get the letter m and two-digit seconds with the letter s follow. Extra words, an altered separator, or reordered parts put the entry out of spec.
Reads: 1h18m13s
